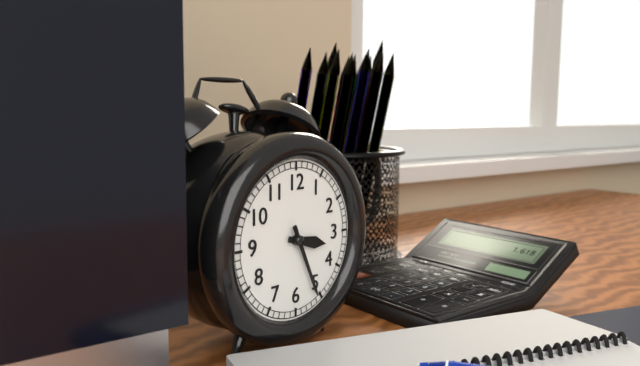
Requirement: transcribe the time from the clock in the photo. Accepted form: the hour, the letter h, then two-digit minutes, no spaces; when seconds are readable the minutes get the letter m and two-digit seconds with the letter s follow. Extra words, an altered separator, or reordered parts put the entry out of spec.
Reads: 3h26
